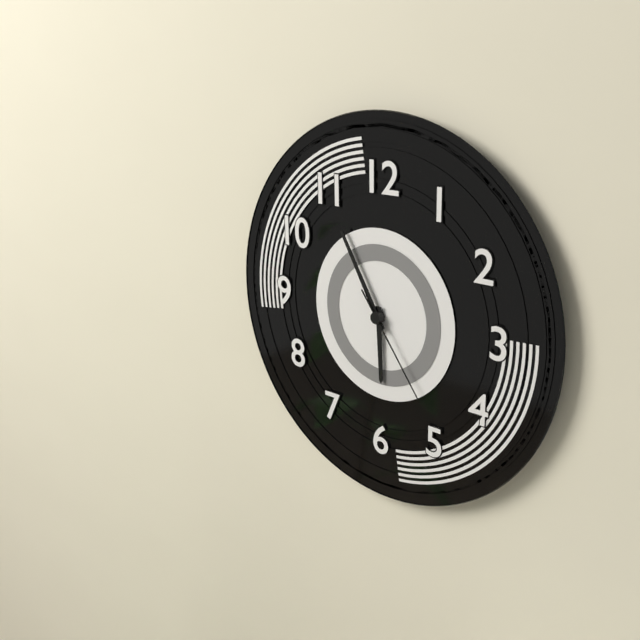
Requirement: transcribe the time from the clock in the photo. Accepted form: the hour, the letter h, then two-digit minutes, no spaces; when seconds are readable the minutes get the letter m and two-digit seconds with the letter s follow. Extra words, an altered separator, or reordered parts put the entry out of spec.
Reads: 5h55m24s
